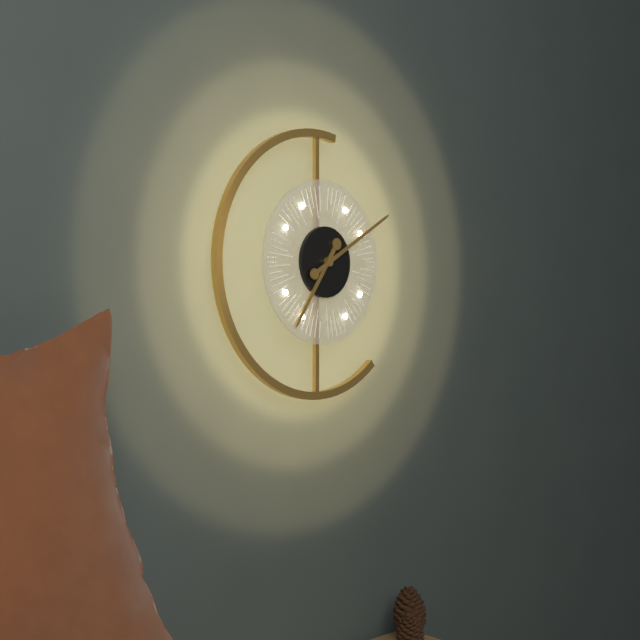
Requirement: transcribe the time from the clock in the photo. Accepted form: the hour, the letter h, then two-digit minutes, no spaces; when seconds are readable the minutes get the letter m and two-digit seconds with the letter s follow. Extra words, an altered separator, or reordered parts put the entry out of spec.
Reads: 7h10
